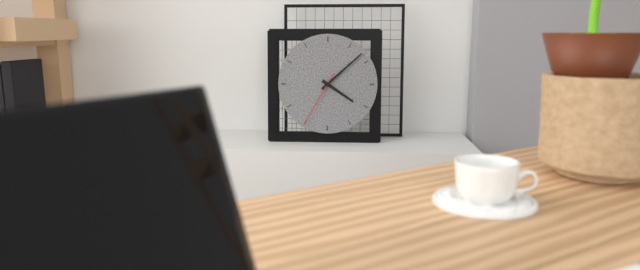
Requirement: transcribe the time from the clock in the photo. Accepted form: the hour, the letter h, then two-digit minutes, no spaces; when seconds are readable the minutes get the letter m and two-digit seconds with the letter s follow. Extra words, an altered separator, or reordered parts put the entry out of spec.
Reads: 4h08m35s
